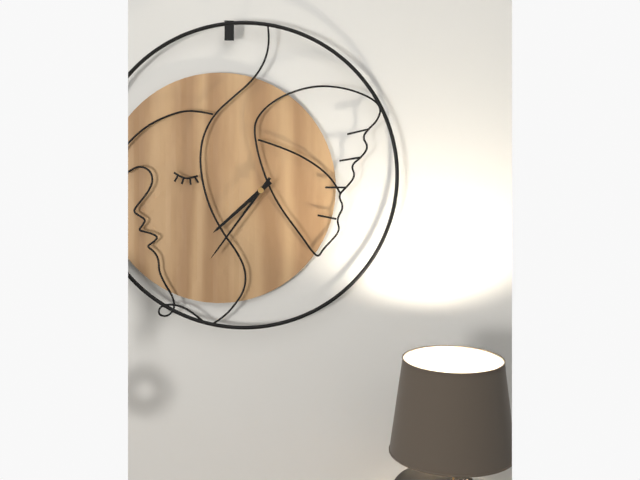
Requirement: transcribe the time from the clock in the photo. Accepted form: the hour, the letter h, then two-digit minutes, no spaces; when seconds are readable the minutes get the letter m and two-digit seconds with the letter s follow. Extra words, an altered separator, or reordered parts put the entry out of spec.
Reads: 7h36
